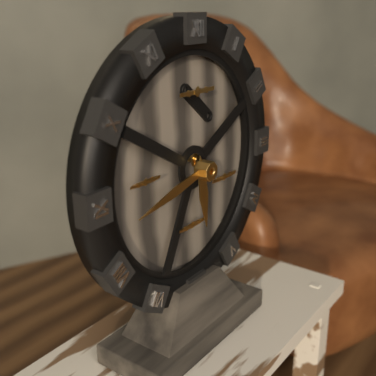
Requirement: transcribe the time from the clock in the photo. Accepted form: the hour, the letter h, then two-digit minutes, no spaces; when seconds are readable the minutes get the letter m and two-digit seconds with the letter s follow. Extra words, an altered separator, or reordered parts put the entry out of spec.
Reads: 5h43
